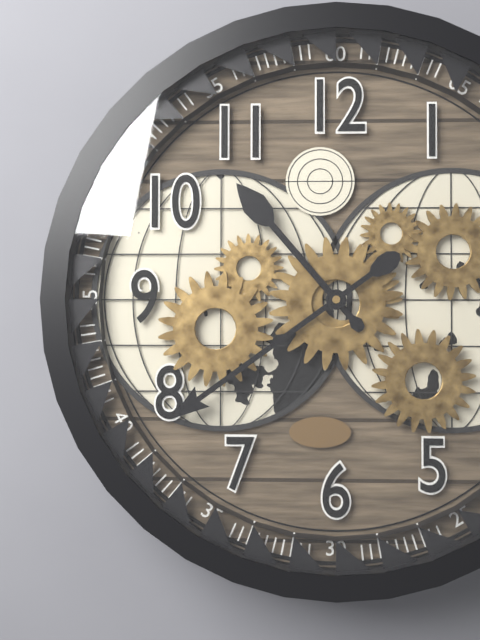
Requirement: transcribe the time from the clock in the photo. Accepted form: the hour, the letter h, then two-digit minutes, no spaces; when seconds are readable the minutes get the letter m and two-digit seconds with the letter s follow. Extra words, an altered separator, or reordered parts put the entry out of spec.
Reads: 10h39
